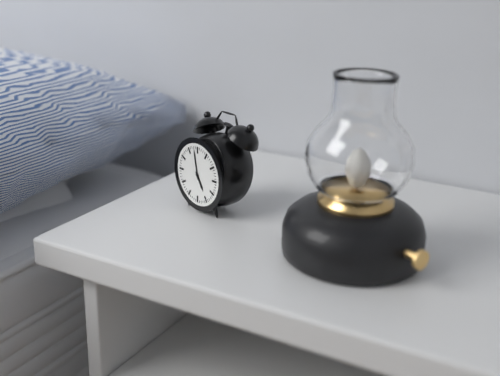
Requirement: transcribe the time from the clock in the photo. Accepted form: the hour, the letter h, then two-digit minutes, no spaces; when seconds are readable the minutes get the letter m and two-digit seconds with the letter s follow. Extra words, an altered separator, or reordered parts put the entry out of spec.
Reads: 4h58
